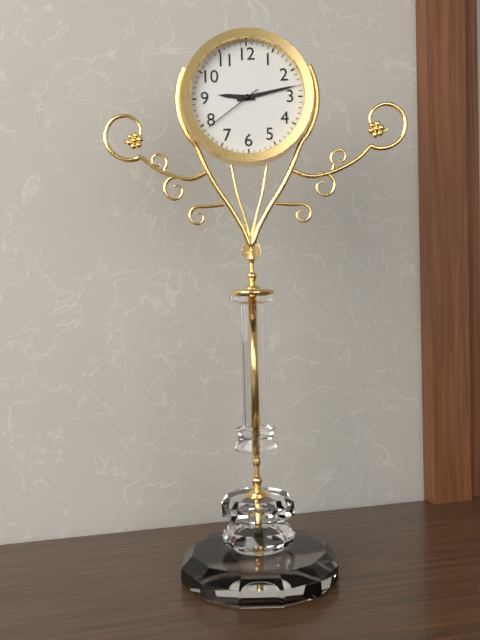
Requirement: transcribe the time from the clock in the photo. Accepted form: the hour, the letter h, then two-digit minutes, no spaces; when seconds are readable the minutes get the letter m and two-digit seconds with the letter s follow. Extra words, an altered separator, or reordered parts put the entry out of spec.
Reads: 9h13m39s
